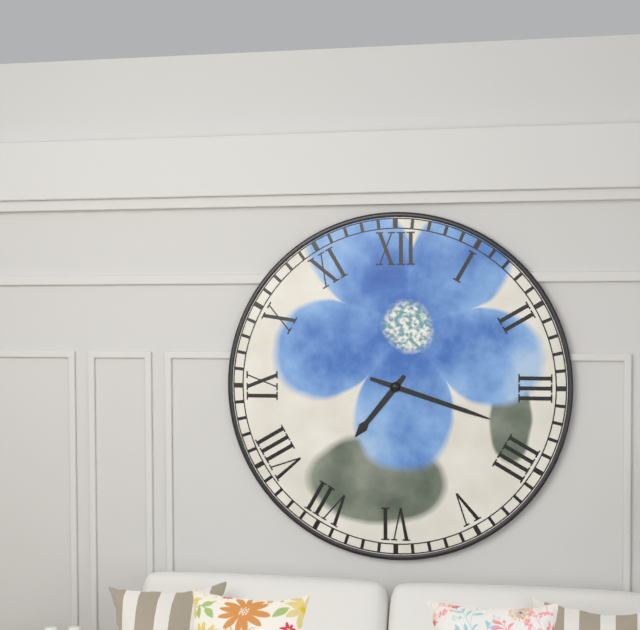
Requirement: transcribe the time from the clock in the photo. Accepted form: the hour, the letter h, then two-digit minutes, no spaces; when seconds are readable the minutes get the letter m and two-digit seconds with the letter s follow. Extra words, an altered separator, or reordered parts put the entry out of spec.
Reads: 7h18
